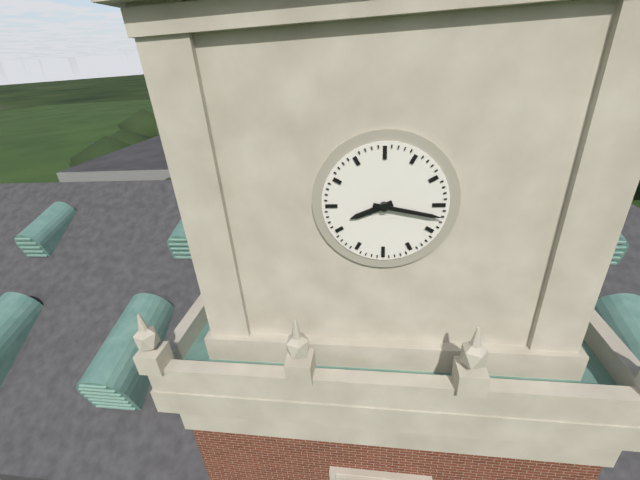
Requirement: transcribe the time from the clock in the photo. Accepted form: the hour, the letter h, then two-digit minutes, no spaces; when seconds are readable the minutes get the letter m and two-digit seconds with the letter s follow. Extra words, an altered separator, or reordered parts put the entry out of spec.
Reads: 8h17
